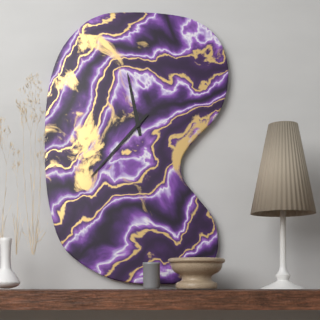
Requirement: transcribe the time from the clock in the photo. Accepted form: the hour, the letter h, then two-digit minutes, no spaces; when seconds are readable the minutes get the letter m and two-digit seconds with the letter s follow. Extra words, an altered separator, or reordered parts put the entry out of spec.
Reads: 11h37
